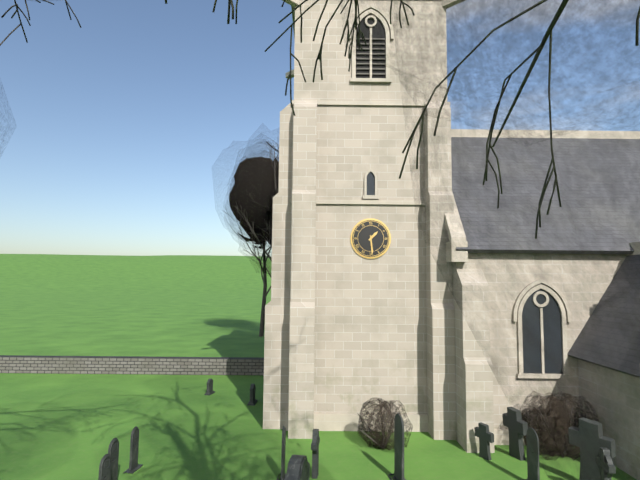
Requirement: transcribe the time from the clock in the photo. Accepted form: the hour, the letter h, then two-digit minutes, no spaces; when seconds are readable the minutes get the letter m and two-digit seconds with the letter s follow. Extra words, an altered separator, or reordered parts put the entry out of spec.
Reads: 1h29
